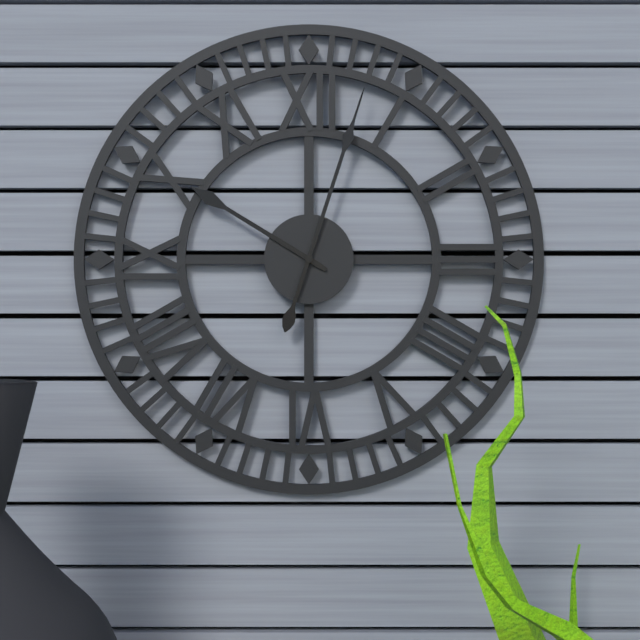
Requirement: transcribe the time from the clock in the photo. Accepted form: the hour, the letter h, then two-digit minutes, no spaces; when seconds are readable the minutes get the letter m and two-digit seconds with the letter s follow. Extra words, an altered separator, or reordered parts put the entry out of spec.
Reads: 10h03
